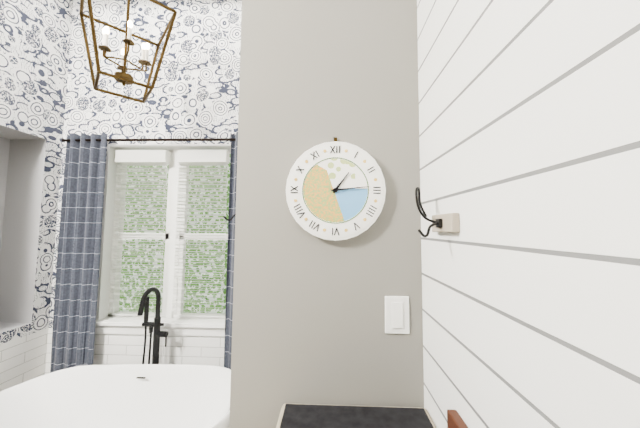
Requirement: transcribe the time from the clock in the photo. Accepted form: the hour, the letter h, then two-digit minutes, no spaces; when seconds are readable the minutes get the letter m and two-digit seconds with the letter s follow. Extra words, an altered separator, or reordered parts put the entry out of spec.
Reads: 1h14
